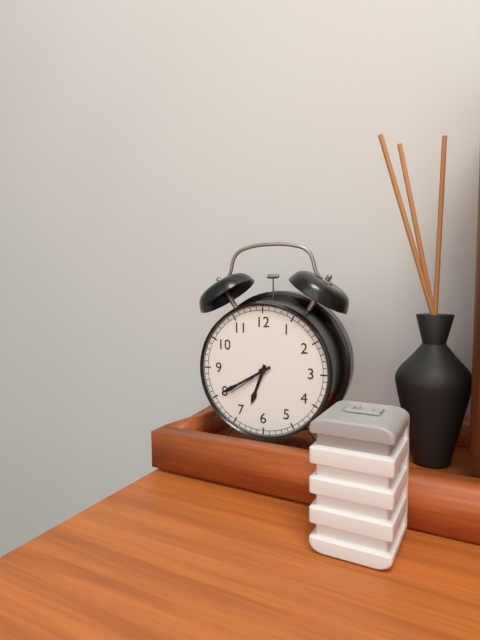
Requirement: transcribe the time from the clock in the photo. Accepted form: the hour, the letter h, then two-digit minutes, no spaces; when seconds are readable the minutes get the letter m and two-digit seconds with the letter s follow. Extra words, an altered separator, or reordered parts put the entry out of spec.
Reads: 6h40
